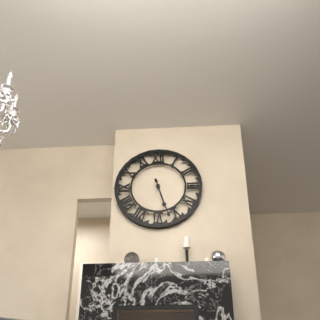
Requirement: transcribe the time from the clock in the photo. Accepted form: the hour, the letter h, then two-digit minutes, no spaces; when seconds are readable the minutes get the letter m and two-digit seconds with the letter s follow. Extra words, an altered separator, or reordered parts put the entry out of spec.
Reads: 5h27
